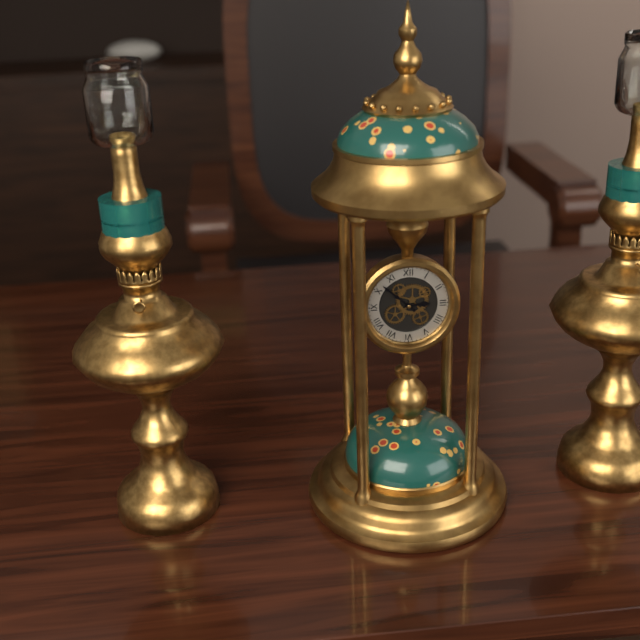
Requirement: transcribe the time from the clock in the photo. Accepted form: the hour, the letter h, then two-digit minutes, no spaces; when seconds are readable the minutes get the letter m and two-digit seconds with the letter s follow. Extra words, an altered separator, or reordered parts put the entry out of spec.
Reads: 2h52
